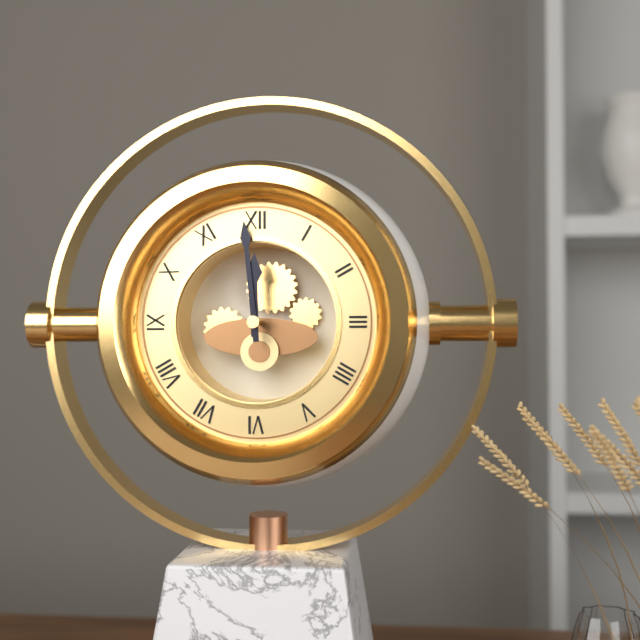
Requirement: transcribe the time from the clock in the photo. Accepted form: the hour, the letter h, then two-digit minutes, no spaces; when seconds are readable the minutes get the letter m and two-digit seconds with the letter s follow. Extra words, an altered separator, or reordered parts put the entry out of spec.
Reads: 11h59
